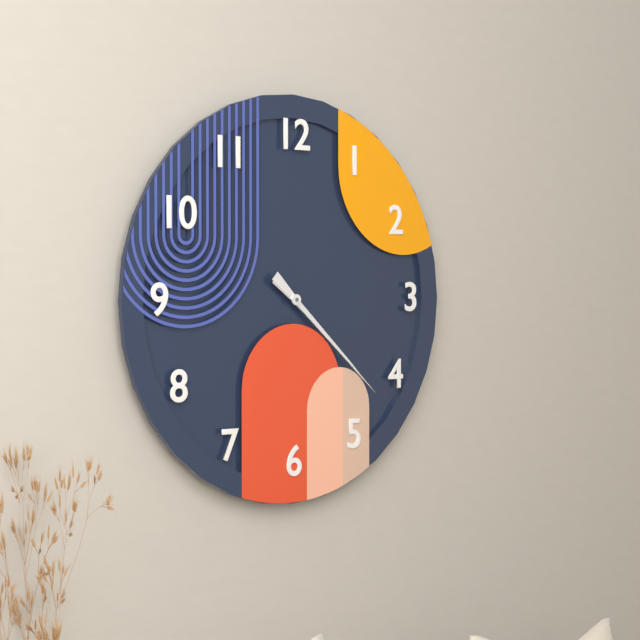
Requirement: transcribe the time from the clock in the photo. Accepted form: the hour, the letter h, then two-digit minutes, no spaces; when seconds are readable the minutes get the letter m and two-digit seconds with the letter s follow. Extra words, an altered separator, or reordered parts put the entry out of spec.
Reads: 4h22
